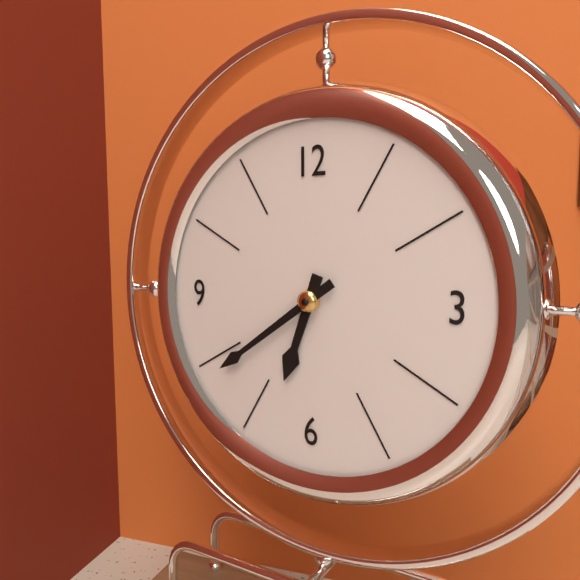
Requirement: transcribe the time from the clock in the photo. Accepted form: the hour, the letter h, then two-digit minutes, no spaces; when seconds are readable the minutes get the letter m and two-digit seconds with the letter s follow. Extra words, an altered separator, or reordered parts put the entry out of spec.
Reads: 6h39
